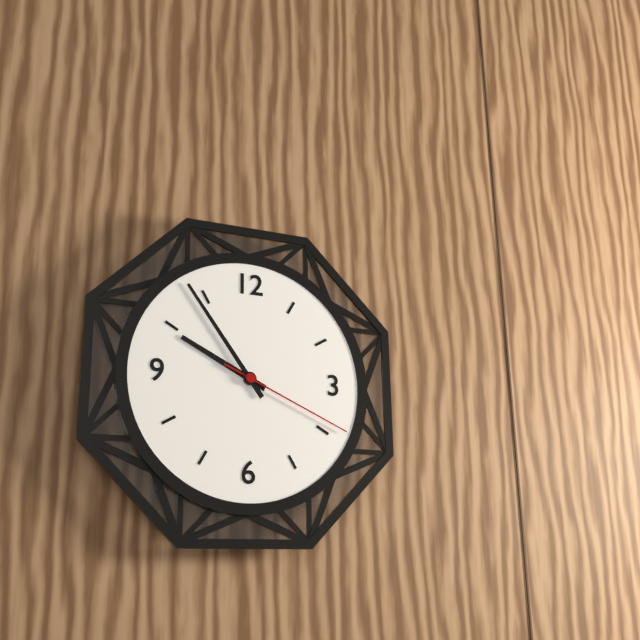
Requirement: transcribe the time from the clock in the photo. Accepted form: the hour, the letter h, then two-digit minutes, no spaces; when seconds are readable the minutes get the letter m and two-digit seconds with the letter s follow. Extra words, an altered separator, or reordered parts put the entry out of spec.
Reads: 9h54m19s
